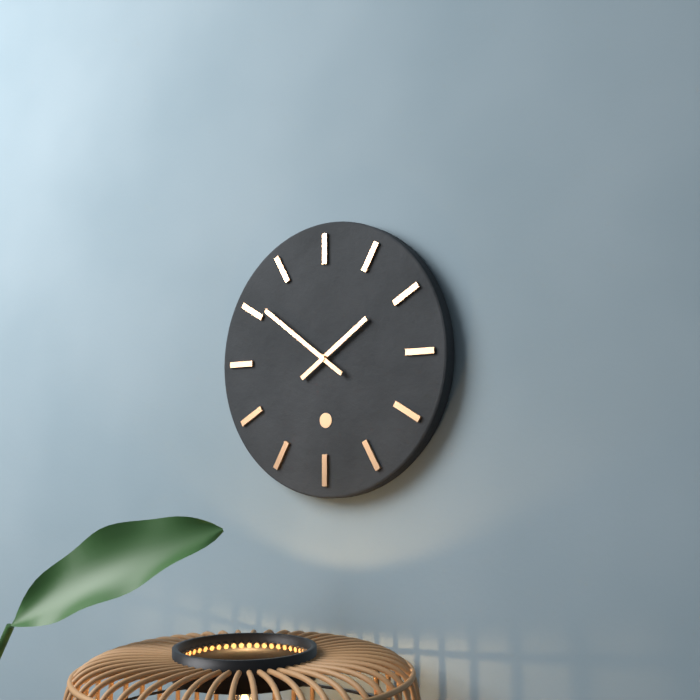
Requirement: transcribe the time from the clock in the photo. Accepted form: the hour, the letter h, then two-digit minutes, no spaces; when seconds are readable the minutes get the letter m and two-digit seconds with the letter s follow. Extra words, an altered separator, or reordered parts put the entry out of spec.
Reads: 1h51
